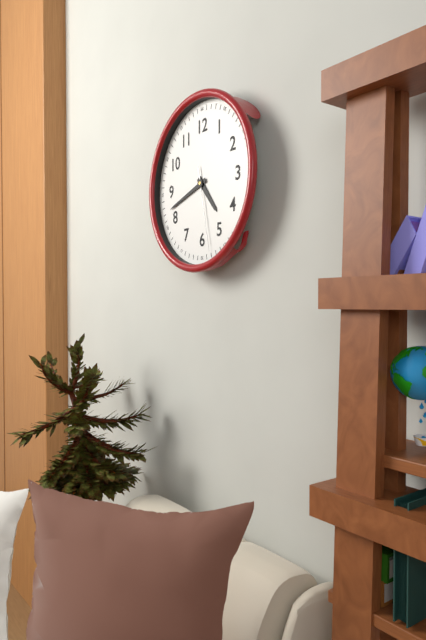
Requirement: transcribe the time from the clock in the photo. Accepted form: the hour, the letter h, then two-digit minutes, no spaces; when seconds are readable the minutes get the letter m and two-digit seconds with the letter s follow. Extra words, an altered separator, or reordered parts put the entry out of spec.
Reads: 4h42m28s
